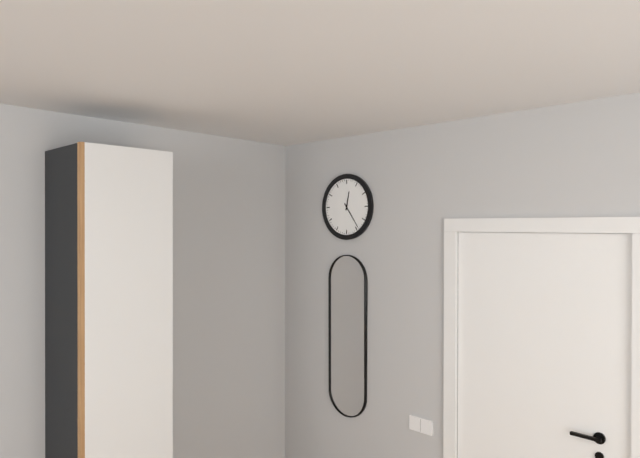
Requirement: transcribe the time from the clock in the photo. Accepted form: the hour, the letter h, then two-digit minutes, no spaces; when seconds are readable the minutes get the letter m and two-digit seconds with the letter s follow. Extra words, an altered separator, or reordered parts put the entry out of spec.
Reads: 12h24
